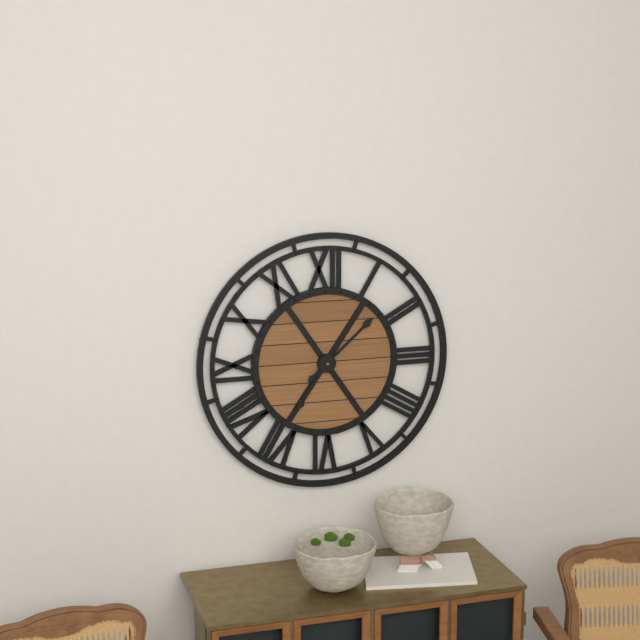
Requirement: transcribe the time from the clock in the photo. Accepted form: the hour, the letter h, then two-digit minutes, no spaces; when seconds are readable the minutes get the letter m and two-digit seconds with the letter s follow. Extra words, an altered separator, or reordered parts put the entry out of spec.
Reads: 7h08
